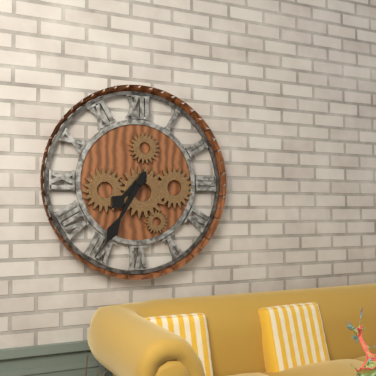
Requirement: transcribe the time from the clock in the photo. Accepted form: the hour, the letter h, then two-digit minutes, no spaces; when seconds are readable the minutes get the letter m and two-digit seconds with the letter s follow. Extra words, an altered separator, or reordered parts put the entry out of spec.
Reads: 7h35
